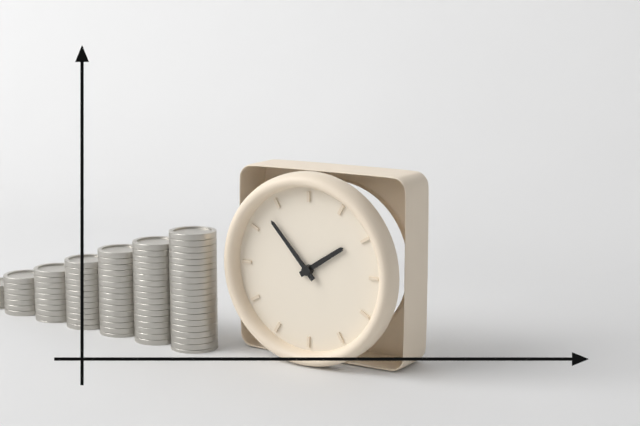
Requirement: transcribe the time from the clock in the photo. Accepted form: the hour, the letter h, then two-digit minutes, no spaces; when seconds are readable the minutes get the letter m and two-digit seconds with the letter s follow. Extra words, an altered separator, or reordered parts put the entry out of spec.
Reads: 1h53
